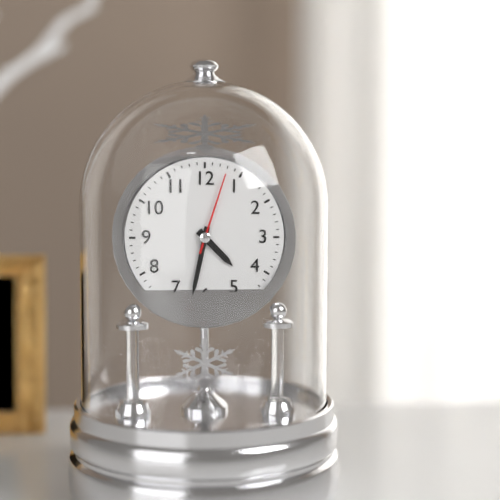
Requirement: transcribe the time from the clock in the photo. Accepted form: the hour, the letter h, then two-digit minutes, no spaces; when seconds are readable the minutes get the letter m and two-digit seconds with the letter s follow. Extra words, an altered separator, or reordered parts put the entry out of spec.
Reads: 4h32m03s
